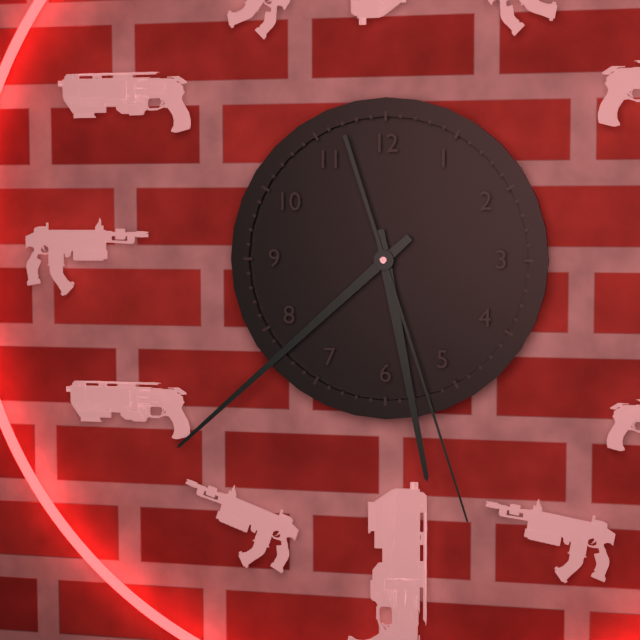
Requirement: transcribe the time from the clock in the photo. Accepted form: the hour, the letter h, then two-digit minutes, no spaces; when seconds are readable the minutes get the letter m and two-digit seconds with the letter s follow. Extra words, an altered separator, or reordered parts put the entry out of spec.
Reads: 5h38m27s
